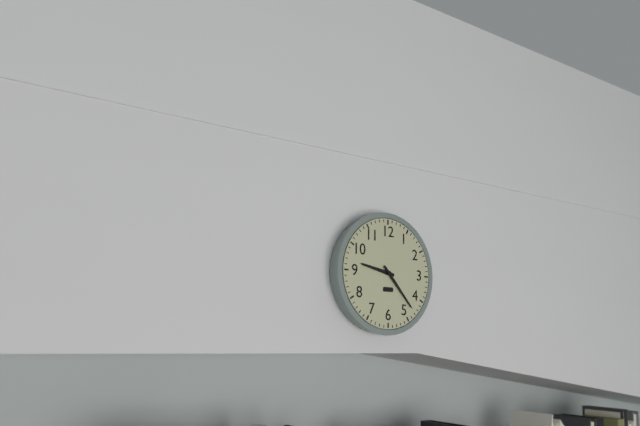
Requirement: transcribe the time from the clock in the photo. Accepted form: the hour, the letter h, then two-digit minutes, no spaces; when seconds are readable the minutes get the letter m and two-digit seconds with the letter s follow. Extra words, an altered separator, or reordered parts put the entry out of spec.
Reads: 9h23
